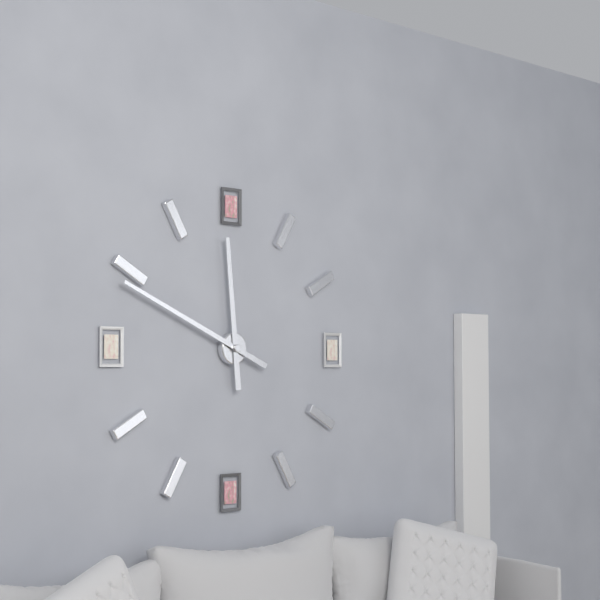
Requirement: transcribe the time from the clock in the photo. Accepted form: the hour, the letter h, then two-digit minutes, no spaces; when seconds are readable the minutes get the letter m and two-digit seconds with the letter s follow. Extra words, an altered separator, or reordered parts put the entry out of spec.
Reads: 11h49
